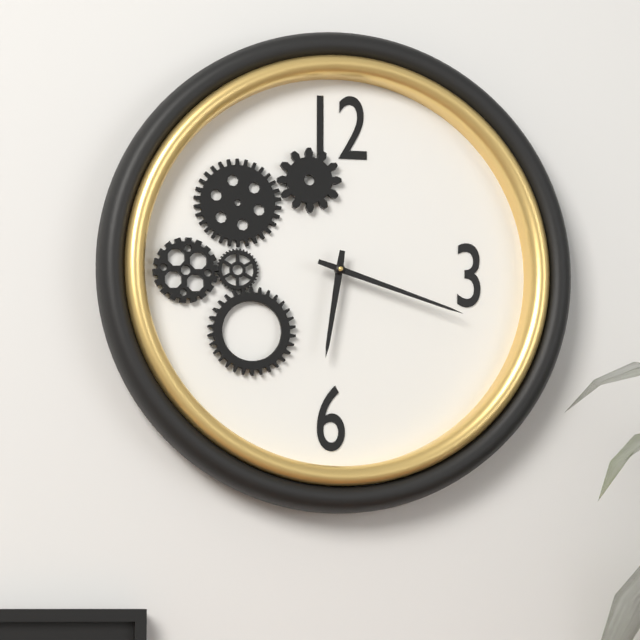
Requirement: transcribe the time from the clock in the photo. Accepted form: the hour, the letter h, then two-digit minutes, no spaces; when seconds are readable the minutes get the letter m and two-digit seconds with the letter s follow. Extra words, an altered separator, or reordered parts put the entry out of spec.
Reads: 6h18
